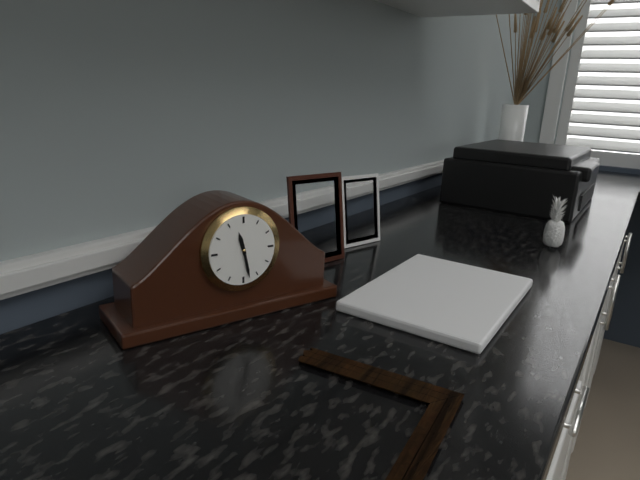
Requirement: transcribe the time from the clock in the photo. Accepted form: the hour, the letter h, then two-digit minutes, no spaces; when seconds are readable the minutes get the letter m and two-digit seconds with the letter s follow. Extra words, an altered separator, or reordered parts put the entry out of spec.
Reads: 11h28
